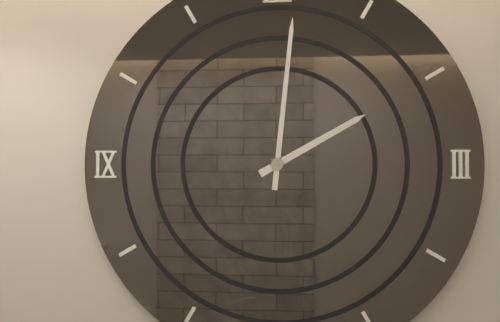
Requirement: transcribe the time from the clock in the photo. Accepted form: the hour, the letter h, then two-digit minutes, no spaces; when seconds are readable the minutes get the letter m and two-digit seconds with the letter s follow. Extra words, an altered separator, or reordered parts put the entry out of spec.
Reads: 2h01
